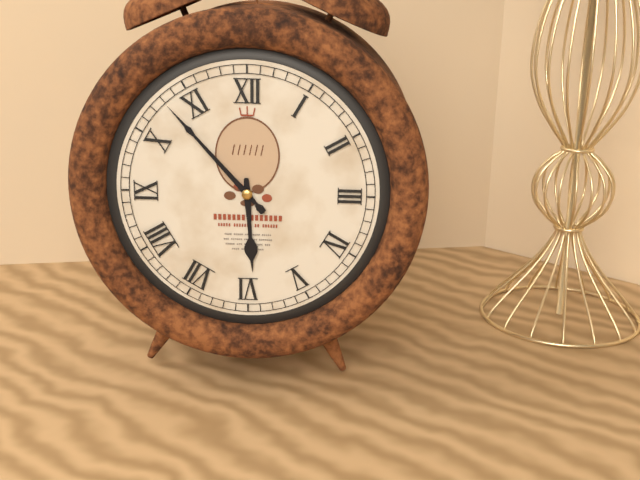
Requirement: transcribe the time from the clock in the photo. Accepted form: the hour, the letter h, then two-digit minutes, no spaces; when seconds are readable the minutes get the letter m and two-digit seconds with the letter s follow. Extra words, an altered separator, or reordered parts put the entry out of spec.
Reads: 5h53
